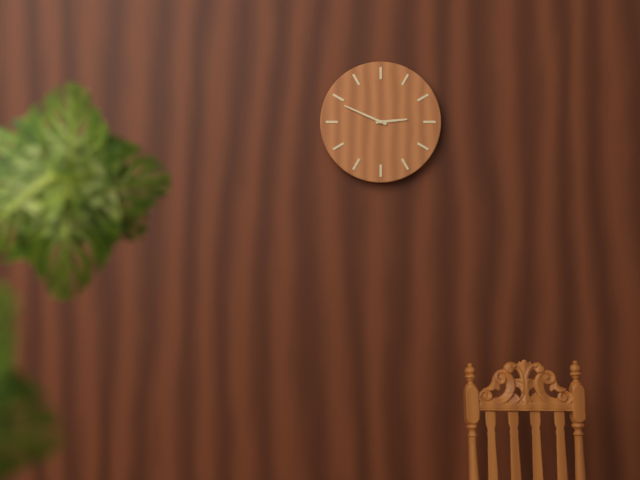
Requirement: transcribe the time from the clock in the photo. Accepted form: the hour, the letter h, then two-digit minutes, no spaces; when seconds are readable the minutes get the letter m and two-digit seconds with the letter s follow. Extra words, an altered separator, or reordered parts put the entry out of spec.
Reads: 2h49
